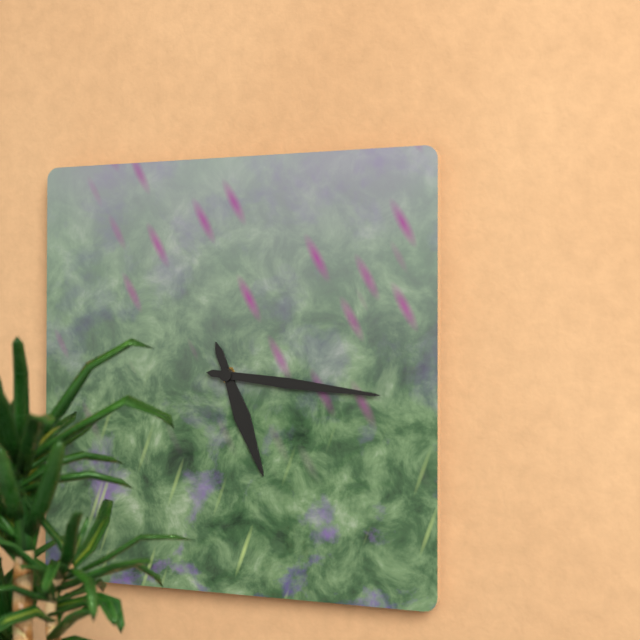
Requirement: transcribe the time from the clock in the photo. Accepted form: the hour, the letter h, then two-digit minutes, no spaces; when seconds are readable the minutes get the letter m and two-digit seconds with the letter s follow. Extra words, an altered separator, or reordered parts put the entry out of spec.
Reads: 5h16
